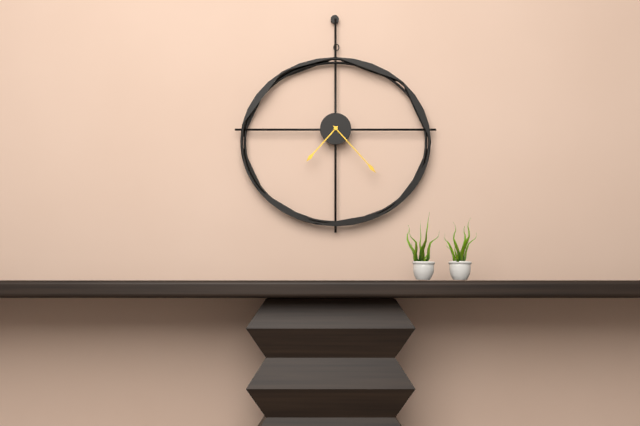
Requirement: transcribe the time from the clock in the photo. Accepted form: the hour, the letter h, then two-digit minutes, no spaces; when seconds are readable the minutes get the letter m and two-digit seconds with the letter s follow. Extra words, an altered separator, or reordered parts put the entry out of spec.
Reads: 7h23
